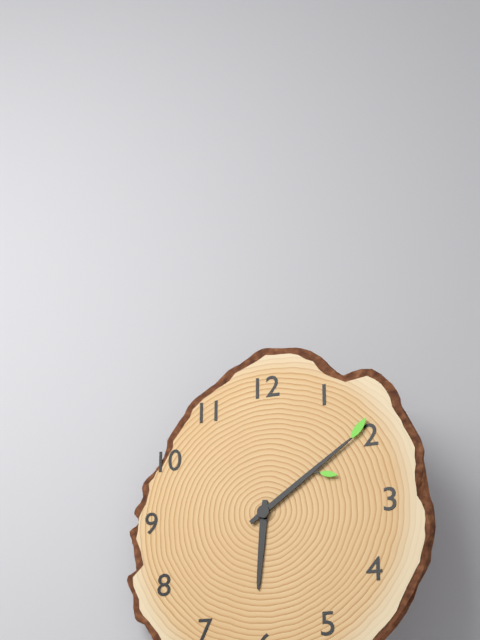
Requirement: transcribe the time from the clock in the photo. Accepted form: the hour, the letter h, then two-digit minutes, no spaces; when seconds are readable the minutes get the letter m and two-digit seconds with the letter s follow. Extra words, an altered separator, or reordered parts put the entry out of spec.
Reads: 6h09
